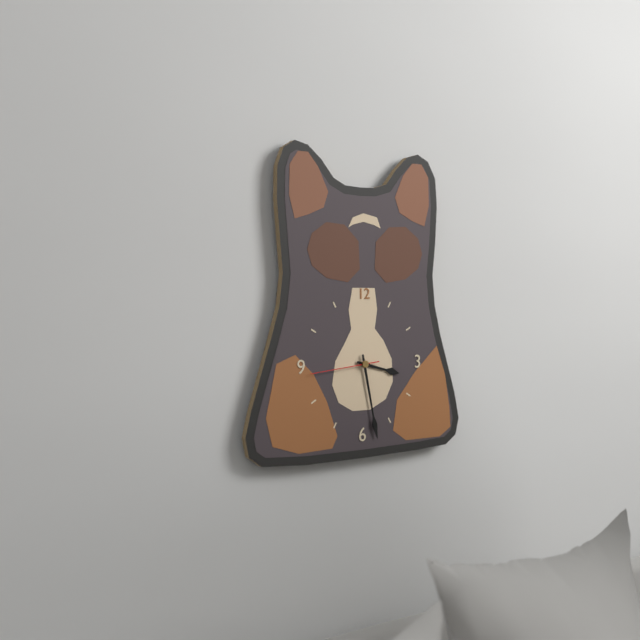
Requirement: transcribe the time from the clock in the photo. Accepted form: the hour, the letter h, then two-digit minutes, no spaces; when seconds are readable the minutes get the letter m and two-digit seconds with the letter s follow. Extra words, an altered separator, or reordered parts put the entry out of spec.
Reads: 3h28m44s
